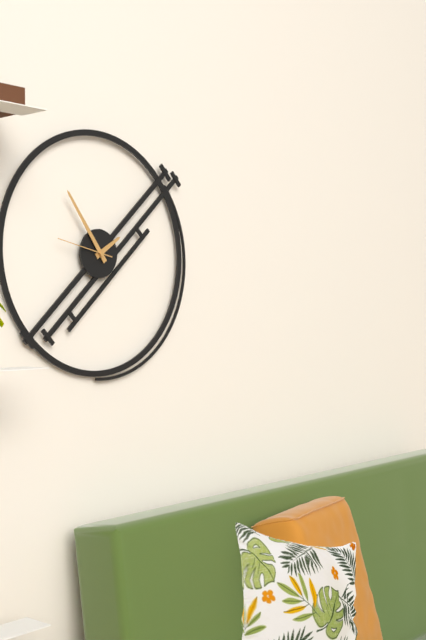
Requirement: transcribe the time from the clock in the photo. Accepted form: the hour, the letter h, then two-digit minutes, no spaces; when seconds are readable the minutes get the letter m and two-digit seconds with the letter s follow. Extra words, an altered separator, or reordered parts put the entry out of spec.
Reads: 1h54
